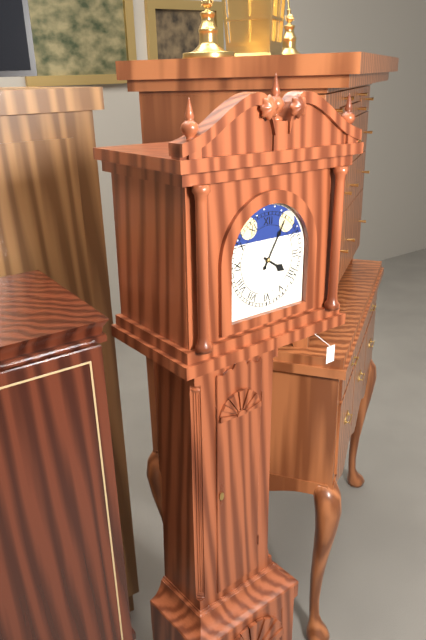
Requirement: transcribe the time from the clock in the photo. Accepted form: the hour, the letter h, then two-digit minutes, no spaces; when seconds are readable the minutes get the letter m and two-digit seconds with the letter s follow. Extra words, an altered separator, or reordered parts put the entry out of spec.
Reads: 4h05
